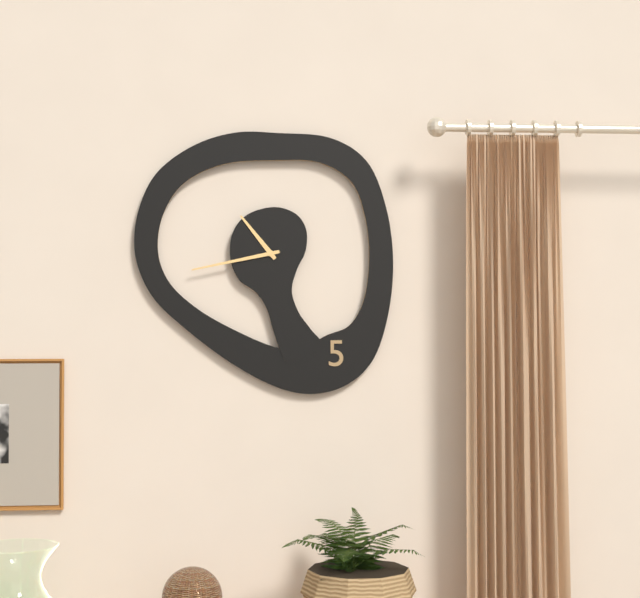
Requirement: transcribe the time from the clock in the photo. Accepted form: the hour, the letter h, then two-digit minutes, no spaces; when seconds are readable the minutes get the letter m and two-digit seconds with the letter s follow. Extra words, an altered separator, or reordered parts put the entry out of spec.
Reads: 10h43
